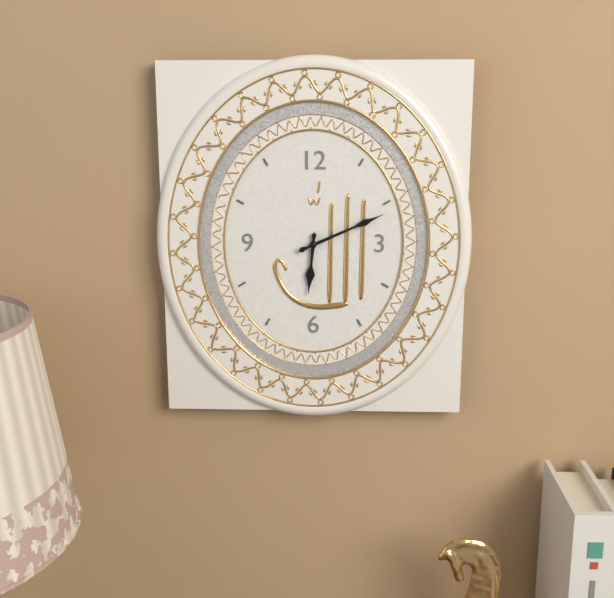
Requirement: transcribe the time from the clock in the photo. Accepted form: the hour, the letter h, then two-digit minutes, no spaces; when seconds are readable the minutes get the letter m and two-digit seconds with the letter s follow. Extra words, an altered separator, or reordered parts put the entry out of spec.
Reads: 6h11
